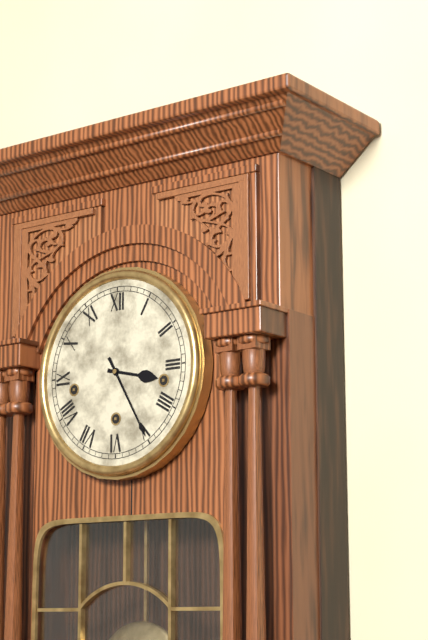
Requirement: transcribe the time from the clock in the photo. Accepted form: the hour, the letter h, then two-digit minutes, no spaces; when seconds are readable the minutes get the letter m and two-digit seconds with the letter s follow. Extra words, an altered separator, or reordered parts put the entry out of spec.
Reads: 3h25
